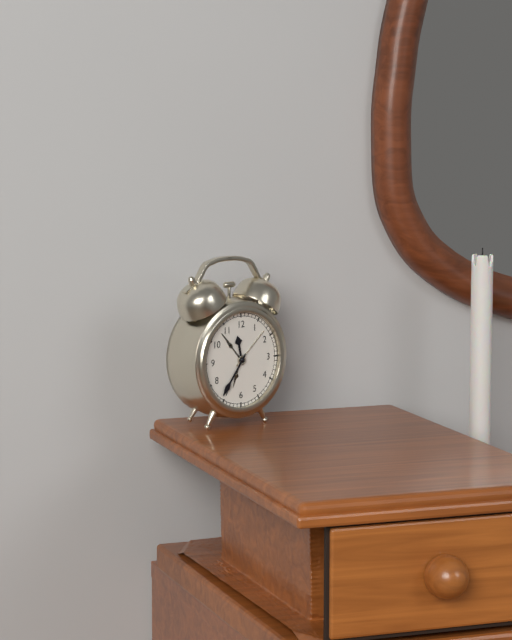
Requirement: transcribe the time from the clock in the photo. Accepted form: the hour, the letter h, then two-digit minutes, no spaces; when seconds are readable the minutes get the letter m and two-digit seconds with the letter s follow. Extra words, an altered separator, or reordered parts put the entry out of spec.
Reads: 11h36
